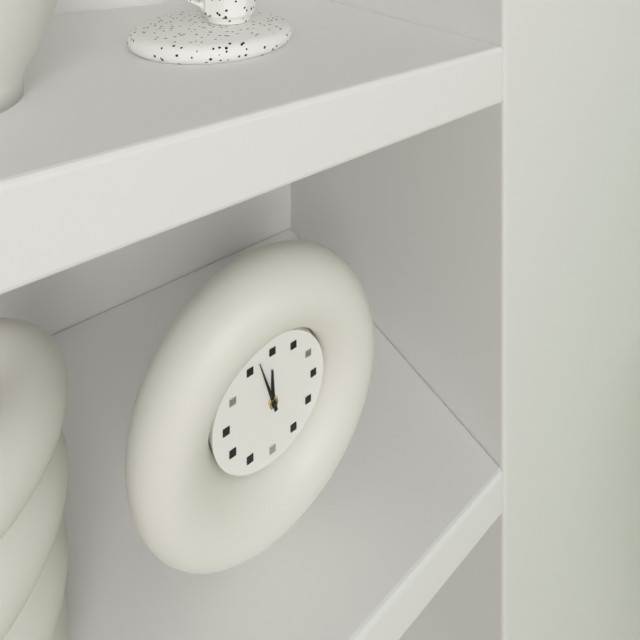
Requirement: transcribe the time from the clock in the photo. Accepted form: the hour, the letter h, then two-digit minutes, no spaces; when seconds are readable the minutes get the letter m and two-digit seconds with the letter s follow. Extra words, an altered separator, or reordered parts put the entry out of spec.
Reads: 11h57
